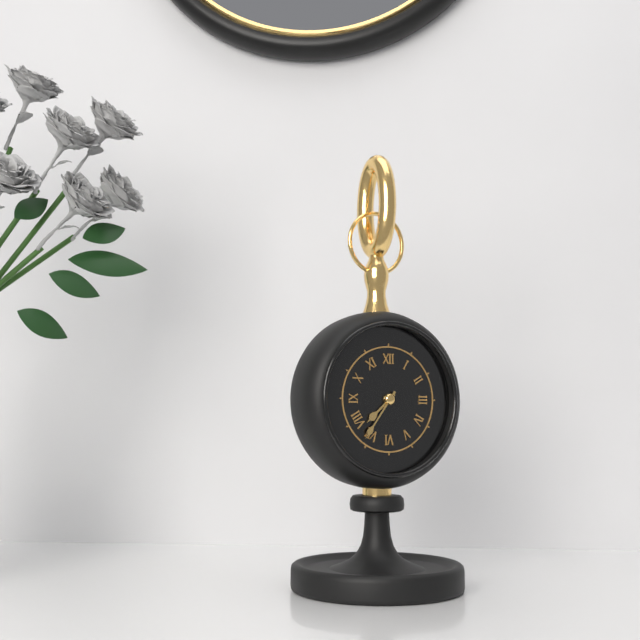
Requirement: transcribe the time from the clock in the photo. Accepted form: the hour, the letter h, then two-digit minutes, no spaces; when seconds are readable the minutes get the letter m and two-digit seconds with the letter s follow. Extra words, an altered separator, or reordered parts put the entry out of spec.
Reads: 7h36
